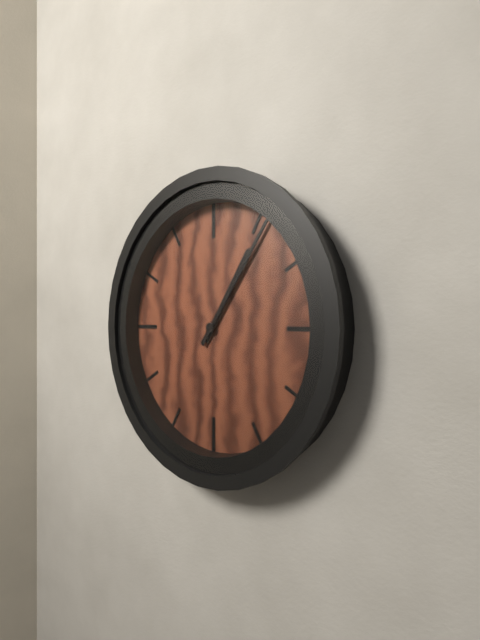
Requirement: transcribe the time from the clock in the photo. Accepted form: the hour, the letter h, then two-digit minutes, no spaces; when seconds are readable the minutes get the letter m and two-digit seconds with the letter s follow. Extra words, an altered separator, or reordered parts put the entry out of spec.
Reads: 1h06
